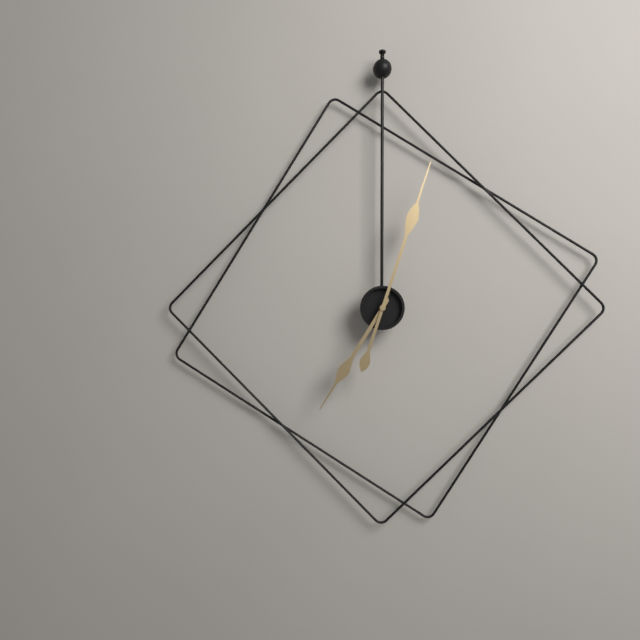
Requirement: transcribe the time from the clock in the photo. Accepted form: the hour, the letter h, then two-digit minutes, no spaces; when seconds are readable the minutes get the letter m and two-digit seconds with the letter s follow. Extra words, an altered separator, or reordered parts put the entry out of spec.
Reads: 7h03
